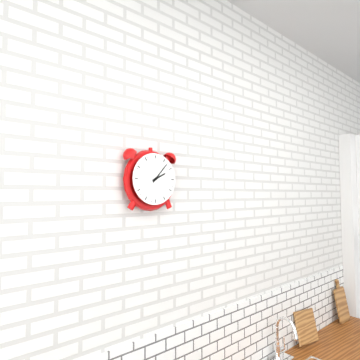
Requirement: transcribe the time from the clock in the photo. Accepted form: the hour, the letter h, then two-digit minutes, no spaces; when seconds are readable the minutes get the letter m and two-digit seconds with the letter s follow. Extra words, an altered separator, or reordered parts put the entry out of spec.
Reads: 2h07
